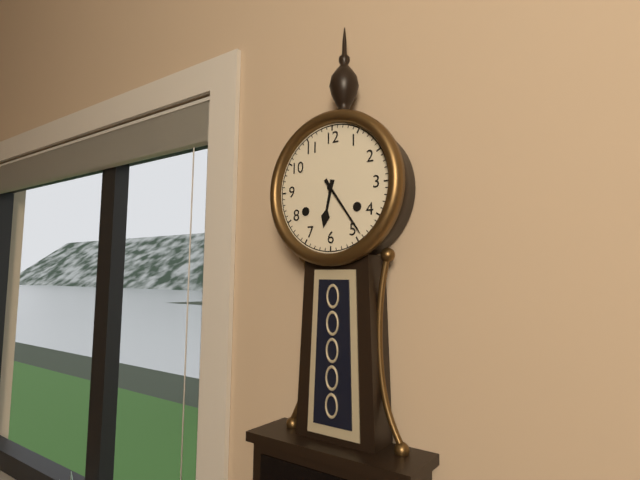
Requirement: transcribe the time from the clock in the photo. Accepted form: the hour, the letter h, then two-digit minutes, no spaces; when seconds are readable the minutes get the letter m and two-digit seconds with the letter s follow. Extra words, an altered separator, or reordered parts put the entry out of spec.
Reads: 6h24
